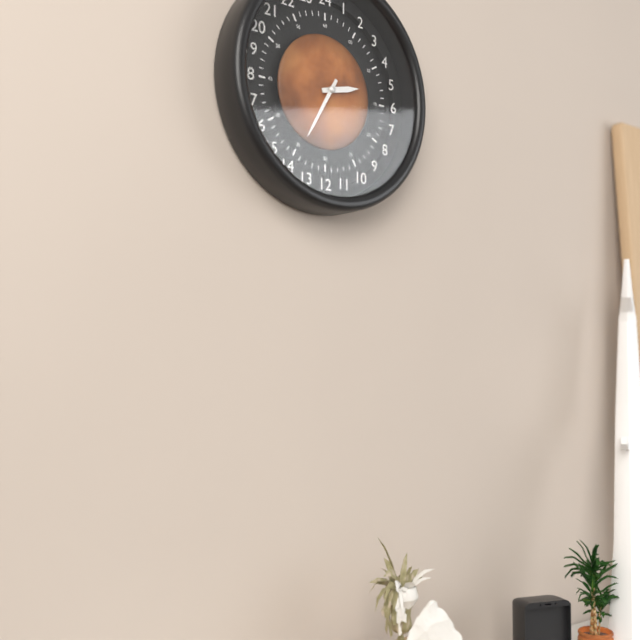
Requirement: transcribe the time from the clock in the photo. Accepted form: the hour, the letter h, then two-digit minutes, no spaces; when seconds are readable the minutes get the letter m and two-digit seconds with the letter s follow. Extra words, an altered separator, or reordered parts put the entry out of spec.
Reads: 2h35
